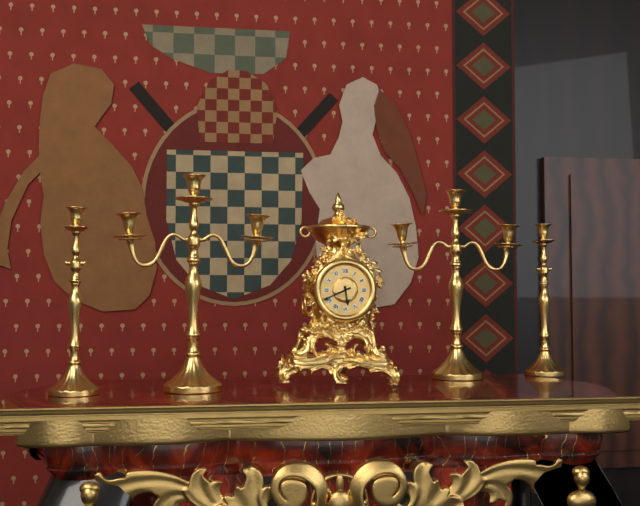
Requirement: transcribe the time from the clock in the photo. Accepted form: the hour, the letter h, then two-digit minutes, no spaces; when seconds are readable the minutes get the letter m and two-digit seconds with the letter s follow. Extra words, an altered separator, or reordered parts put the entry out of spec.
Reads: 5h41
